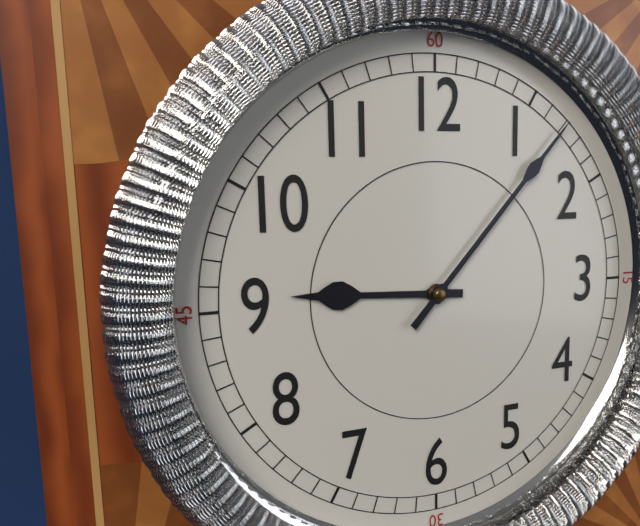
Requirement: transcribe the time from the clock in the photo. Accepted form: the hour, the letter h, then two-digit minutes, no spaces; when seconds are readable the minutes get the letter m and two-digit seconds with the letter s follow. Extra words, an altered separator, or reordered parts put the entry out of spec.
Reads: 9h07
